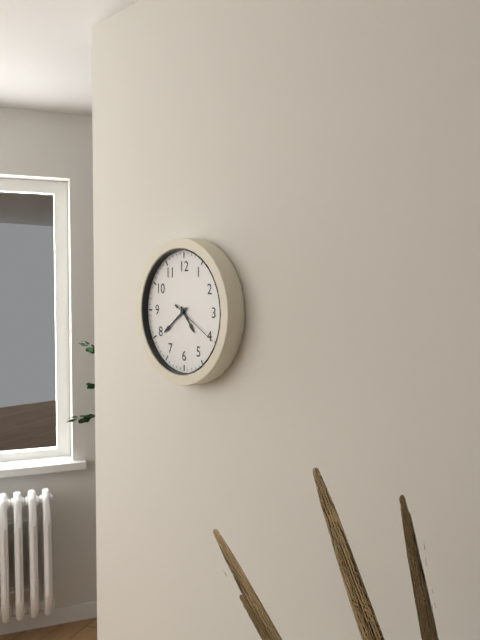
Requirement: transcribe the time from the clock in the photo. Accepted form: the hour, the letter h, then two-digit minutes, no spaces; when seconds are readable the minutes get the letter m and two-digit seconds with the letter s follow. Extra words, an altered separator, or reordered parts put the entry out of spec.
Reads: 4h39m20s
